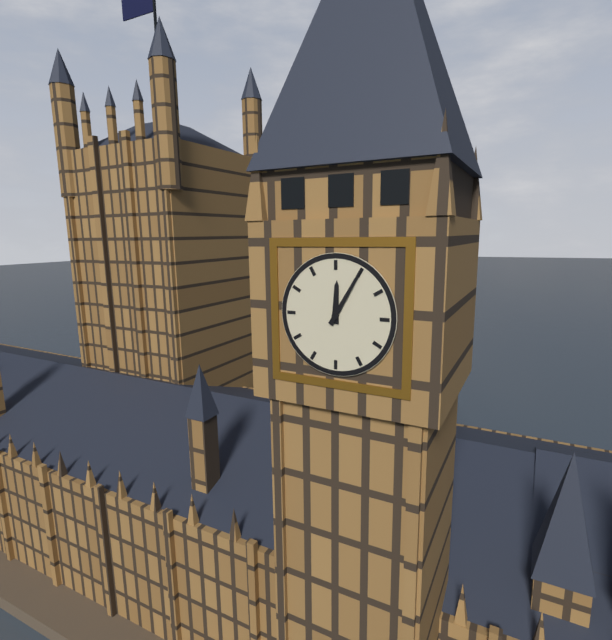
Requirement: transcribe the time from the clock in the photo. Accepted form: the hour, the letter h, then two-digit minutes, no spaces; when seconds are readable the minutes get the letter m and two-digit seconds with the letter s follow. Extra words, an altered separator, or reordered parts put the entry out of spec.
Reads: 12h05
